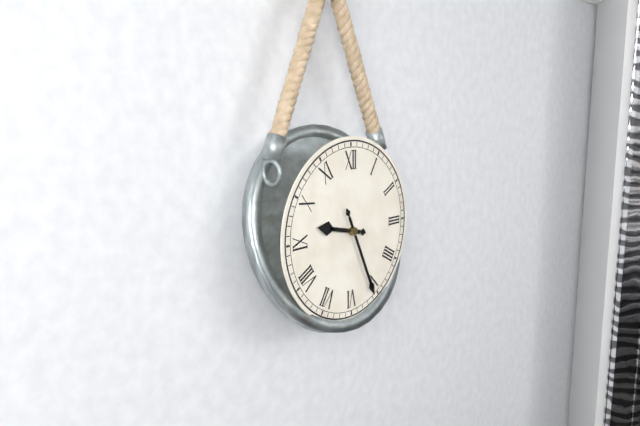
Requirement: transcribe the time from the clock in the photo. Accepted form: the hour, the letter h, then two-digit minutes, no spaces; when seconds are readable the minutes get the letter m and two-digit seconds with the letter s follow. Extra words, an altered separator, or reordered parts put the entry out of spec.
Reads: 9h26
